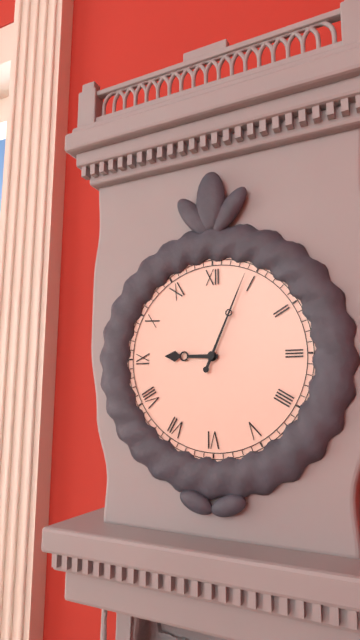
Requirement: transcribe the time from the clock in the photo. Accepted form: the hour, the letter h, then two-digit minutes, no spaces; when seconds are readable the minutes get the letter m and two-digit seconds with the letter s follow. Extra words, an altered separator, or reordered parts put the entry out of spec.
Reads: 9h04
